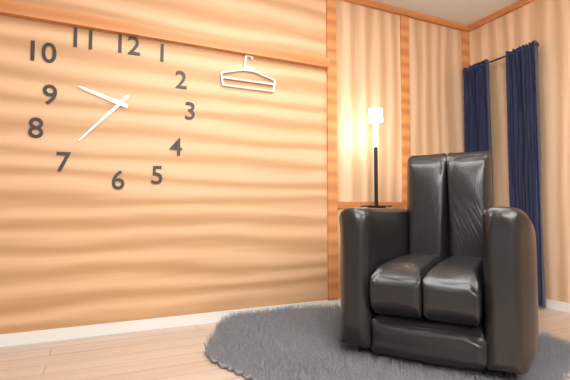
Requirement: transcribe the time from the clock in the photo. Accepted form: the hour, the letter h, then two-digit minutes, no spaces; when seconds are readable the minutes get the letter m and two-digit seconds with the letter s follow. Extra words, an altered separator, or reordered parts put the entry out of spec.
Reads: 9h37
